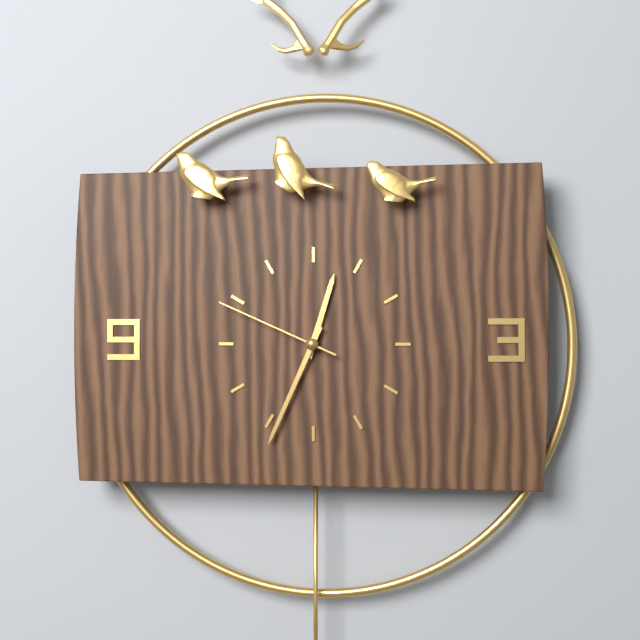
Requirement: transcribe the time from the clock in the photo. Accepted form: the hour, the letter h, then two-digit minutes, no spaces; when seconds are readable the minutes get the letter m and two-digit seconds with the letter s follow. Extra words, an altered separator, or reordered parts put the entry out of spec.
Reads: 12h34m49s
